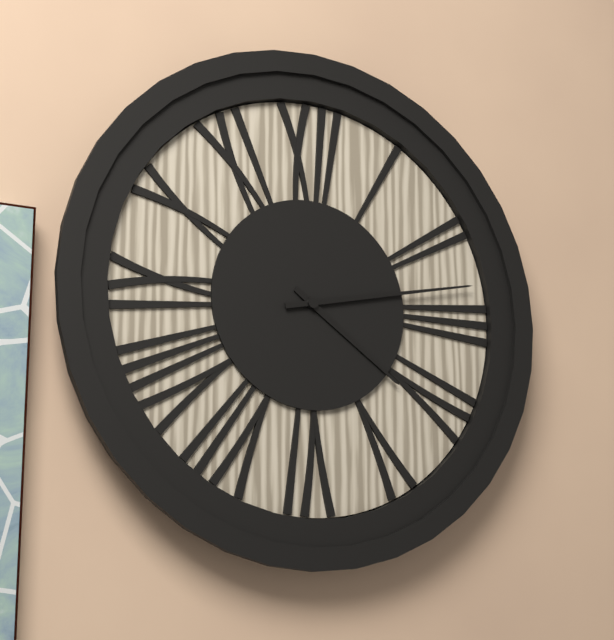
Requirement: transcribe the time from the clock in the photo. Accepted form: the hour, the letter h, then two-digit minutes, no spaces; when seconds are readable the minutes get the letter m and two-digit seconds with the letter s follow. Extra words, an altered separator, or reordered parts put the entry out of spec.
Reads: 4h13
